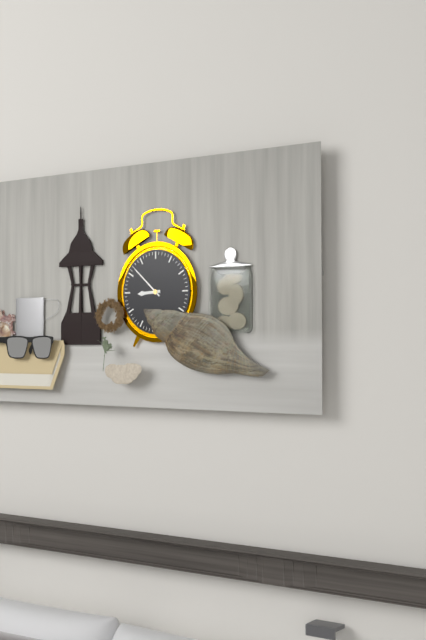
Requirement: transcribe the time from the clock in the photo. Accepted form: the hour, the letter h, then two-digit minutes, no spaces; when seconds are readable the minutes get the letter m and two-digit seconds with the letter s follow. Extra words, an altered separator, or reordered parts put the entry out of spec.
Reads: 8h52
